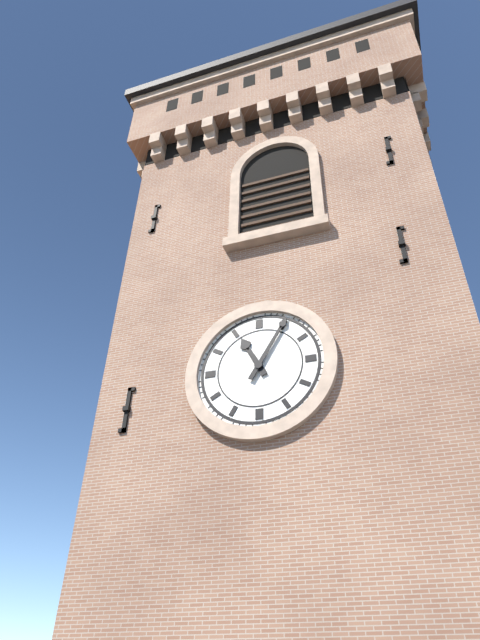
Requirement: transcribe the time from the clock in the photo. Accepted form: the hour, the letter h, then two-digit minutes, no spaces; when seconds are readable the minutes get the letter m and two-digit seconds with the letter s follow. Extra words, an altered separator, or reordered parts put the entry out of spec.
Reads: 11h05
